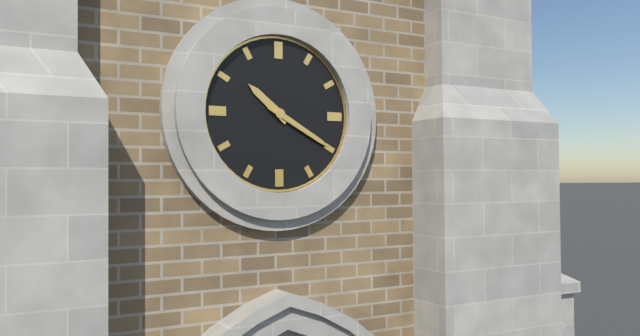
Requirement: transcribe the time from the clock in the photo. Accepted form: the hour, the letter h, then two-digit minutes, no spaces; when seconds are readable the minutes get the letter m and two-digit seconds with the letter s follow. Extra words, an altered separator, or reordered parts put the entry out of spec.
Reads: 10h20
